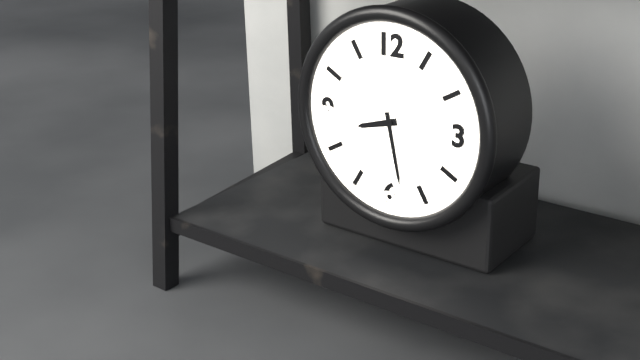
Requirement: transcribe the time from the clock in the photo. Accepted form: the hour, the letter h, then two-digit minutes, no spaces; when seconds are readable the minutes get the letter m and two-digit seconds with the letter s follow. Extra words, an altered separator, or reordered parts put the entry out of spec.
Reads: 8h28
